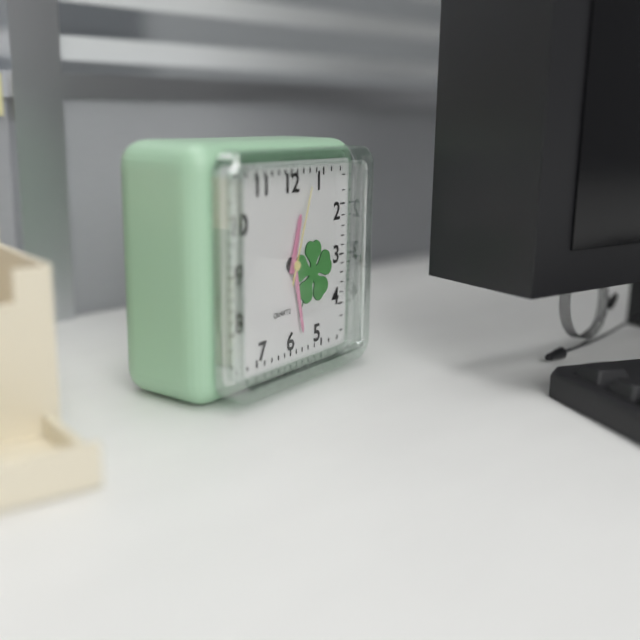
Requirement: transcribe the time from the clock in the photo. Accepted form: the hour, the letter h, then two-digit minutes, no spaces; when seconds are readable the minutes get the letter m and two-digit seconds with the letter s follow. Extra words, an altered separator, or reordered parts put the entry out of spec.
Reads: 12h28m03s
